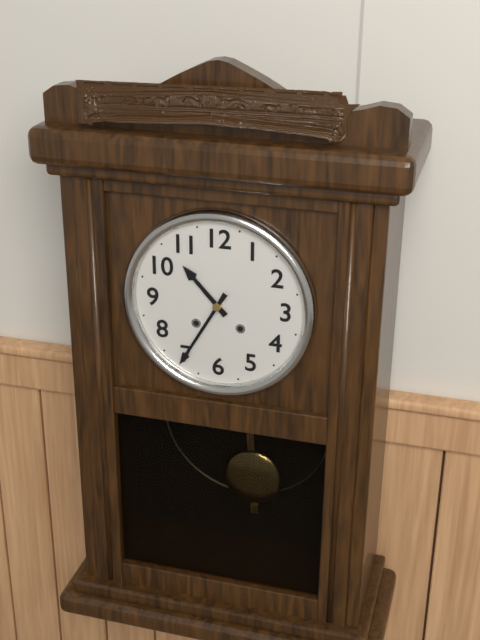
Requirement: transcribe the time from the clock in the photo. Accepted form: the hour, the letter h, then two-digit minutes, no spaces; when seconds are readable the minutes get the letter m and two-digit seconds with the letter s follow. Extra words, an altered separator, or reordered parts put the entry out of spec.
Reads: 10h35
